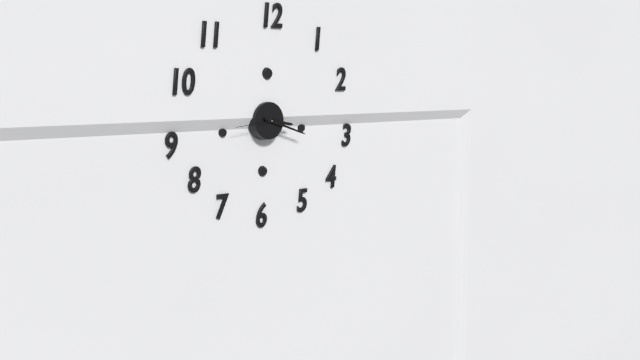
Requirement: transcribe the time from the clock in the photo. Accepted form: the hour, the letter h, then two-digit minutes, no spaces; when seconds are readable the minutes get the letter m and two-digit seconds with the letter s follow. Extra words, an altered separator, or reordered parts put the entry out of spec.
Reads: 3h18
